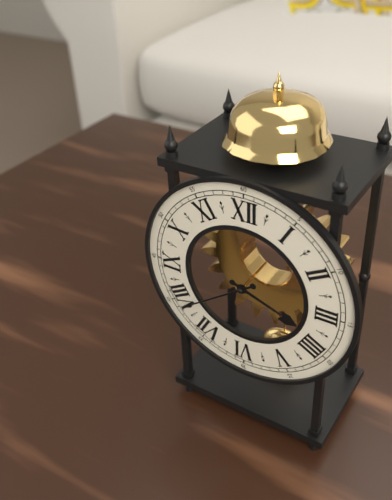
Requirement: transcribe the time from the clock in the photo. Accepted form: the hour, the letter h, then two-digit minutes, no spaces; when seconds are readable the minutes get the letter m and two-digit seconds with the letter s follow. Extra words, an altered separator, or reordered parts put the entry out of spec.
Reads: 3h39
